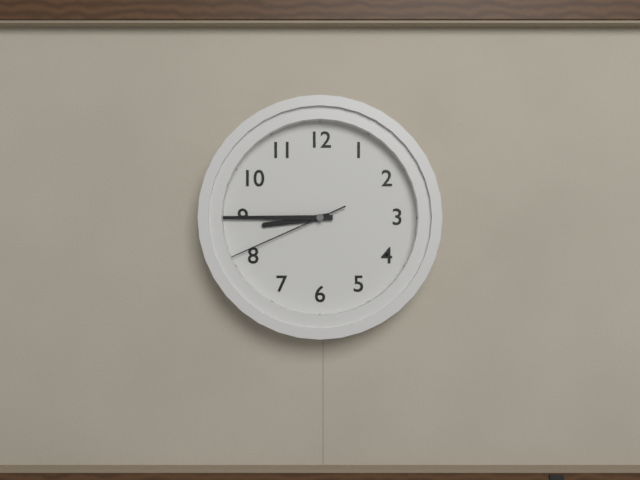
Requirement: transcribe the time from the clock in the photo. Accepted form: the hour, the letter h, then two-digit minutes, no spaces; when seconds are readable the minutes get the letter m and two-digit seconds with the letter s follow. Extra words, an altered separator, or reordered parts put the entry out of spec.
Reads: 8h45m41s
